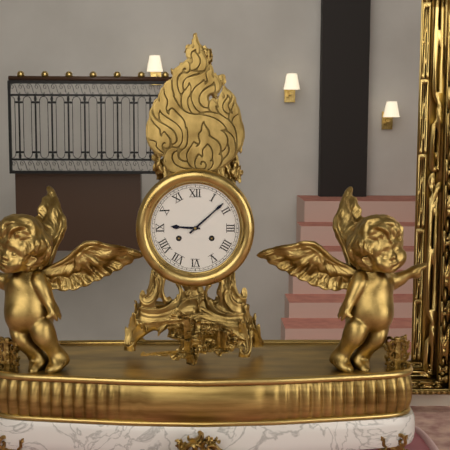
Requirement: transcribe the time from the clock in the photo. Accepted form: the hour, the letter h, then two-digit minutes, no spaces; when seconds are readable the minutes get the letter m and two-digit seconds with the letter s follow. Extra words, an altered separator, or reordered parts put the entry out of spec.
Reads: 9h08
